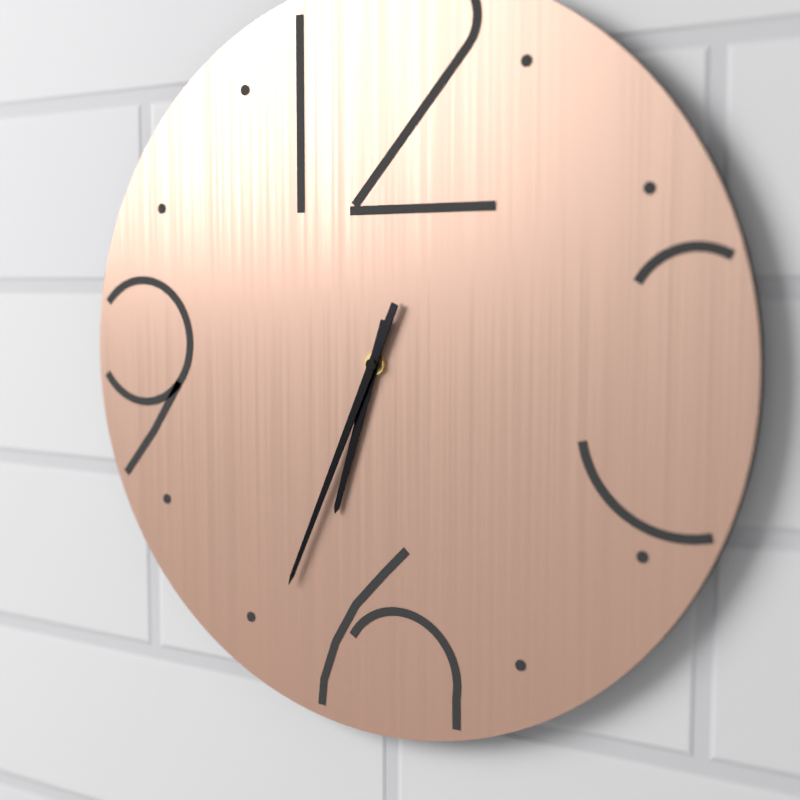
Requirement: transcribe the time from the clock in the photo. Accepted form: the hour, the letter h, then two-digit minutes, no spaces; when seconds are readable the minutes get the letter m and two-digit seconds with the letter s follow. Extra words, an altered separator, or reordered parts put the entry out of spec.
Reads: 6h34
